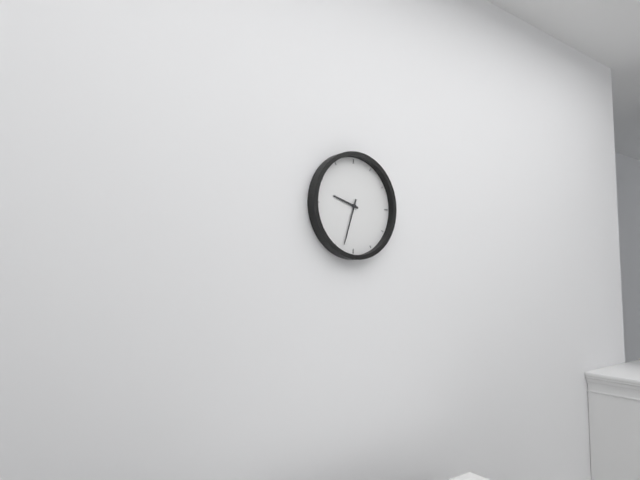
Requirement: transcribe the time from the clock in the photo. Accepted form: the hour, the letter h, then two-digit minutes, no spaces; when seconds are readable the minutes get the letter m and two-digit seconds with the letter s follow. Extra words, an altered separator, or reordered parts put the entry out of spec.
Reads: 9h33
